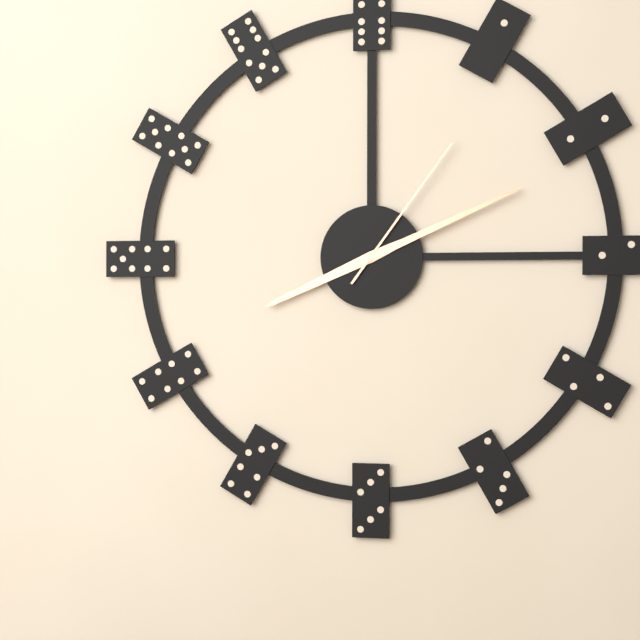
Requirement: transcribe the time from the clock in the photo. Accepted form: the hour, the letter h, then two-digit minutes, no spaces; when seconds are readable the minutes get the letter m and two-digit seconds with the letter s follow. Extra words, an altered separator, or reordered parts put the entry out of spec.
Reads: 8h11m06s
